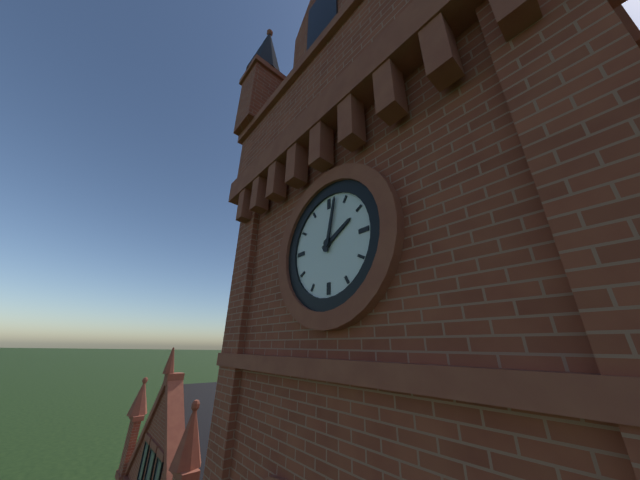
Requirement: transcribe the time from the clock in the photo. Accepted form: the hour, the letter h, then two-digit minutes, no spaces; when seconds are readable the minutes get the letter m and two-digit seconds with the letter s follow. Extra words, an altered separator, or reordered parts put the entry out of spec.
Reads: 2h02
